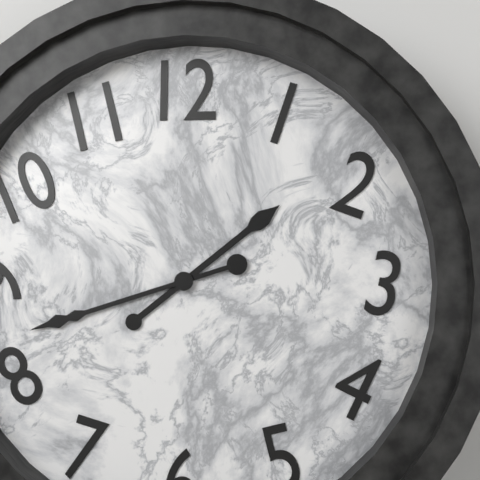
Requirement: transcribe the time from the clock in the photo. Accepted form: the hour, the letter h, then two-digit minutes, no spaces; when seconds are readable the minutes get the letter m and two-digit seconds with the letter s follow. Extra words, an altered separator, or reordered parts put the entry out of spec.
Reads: 1h42
